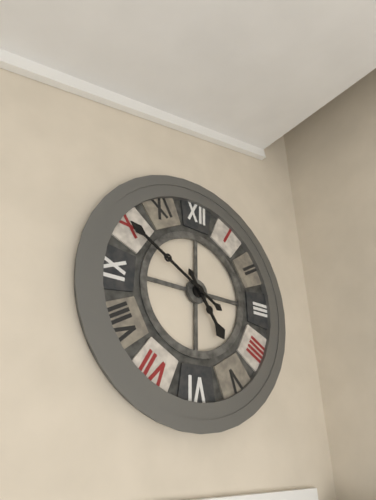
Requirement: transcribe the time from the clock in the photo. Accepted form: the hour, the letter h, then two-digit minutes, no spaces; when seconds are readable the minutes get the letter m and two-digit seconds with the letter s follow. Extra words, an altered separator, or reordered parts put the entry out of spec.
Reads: 4h50
